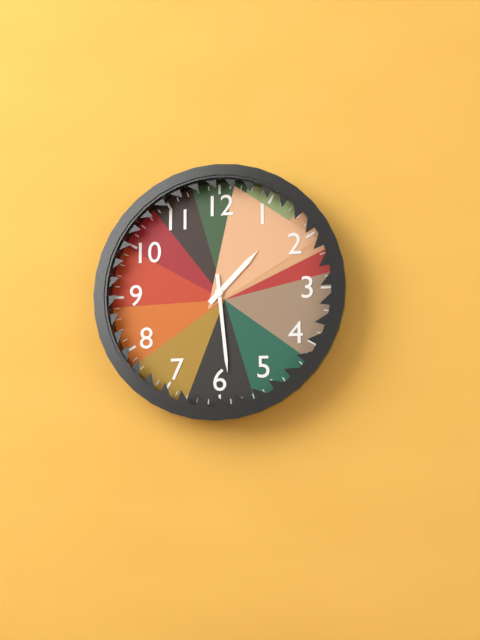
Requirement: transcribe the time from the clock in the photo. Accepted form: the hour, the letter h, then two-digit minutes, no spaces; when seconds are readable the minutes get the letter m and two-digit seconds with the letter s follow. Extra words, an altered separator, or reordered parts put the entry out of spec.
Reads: 1h29
